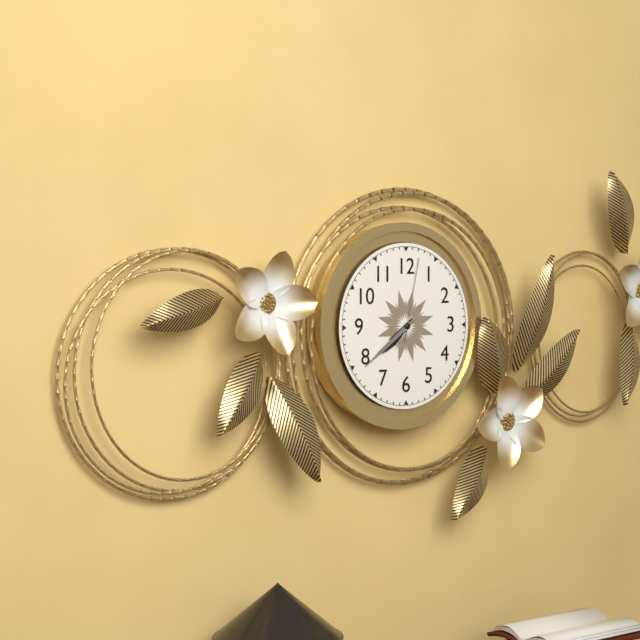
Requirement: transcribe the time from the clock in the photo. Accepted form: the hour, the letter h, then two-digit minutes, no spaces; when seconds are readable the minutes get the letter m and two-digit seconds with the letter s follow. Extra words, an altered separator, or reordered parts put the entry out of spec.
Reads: 7h39m02s
